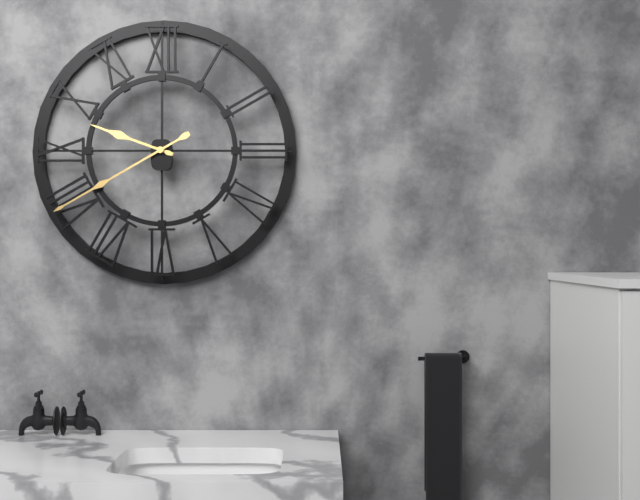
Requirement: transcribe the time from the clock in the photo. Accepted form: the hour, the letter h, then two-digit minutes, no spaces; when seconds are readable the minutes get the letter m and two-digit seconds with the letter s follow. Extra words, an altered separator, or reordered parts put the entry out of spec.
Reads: 9h40
